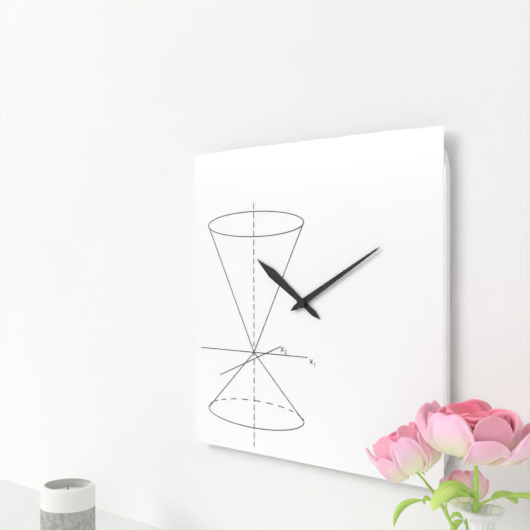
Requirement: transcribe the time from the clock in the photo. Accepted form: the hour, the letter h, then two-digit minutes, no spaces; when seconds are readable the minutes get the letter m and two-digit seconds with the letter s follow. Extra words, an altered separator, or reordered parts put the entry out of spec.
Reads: 10h10
